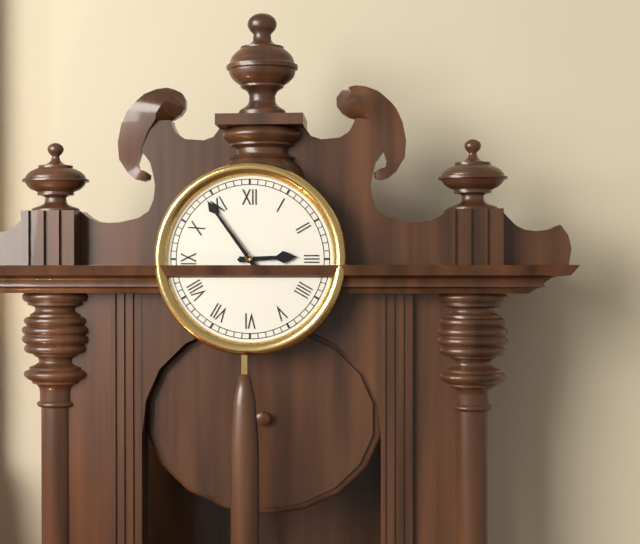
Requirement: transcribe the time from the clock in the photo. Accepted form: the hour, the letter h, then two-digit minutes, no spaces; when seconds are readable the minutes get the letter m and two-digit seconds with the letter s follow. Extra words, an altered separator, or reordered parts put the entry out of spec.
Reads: 2h54
